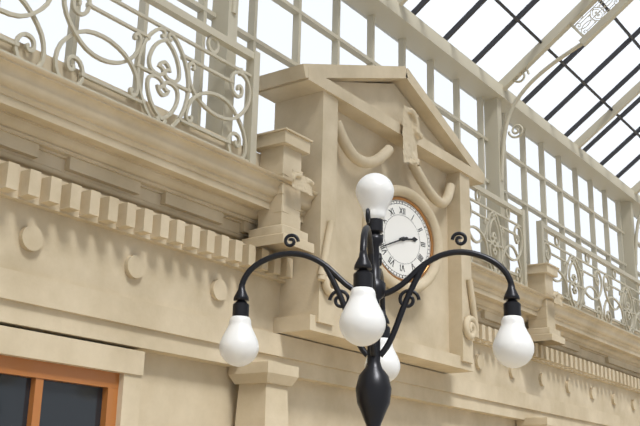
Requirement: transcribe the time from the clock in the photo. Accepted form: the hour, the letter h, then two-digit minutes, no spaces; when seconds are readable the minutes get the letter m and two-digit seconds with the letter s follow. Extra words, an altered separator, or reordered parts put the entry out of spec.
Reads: 2h41
